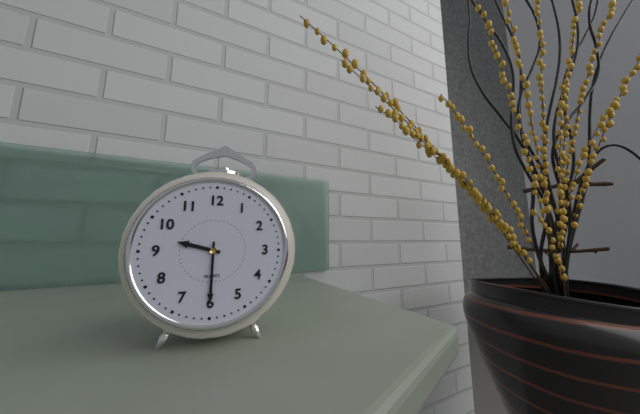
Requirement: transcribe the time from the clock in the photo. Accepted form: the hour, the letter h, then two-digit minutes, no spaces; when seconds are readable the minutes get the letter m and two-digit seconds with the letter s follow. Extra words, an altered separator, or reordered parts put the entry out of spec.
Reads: 9h30
